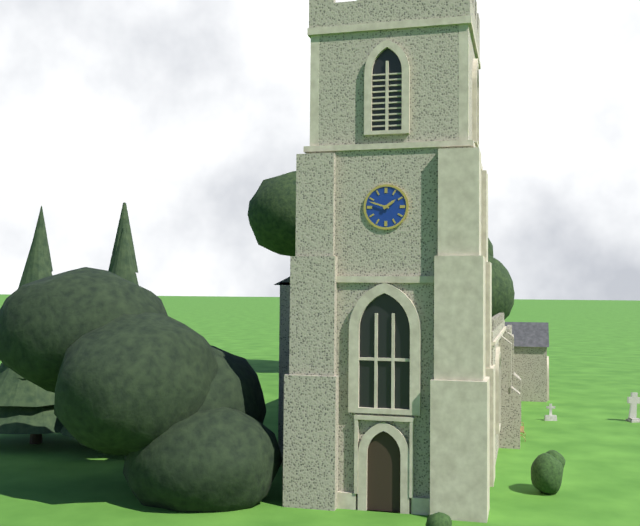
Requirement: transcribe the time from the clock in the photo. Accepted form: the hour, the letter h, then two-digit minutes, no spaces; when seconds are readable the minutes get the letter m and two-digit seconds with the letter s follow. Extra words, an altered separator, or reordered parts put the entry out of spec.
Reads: 1h48
